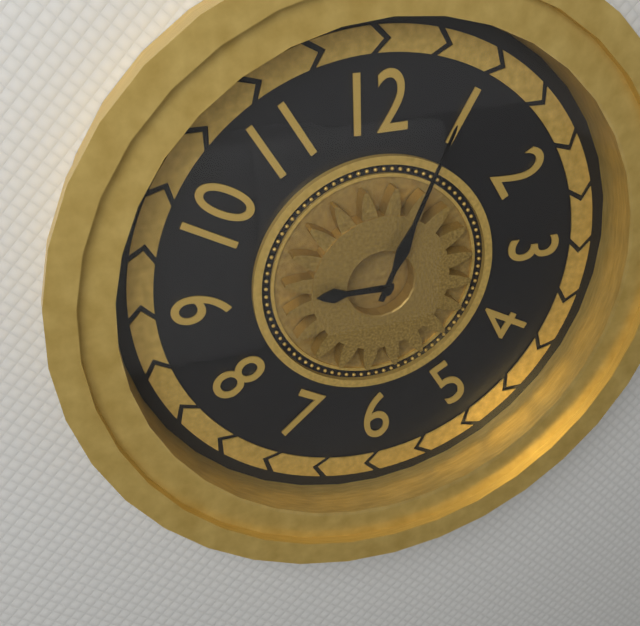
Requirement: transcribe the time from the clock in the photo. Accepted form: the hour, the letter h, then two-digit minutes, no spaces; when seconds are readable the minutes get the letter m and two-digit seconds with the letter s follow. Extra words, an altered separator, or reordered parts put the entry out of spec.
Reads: 9h04
